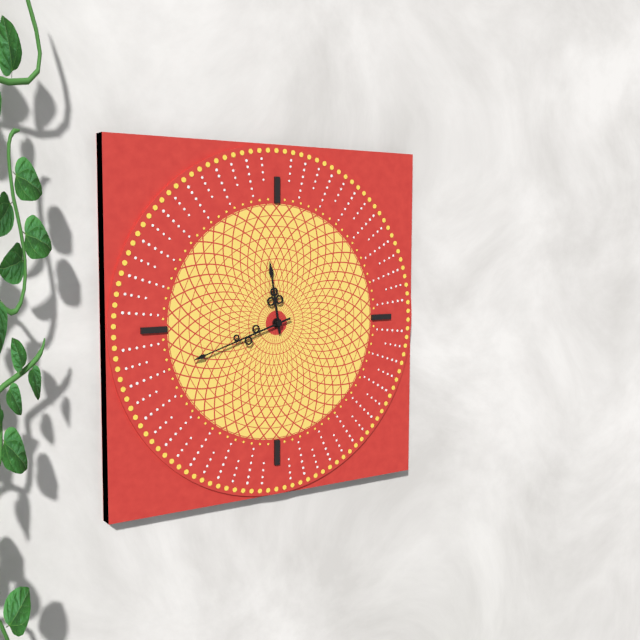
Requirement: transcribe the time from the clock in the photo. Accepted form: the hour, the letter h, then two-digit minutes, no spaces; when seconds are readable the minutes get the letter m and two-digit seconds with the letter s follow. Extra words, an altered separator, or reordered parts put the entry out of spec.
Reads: 11h42
